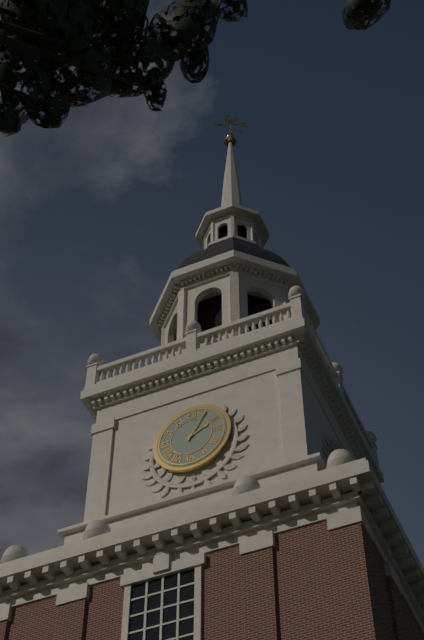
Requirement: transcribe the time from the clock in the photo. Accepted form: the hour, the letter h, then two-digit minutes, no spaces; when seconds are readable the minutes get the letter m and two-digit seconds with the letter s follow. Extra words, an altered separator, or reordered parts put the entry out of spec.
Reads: 2h05
